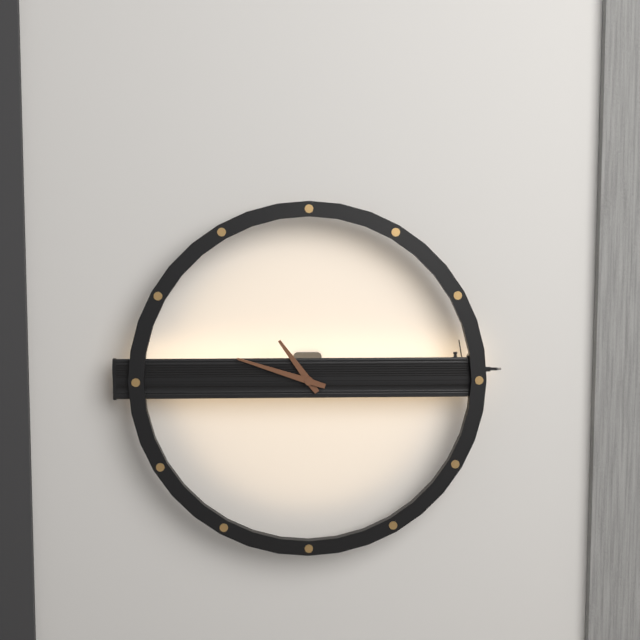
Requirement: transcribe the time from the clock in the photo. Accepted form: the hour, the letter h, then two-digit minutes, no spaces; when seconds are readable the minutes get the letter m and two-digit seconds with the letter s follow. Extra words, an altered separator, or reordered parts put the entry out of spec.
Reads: 10h48
